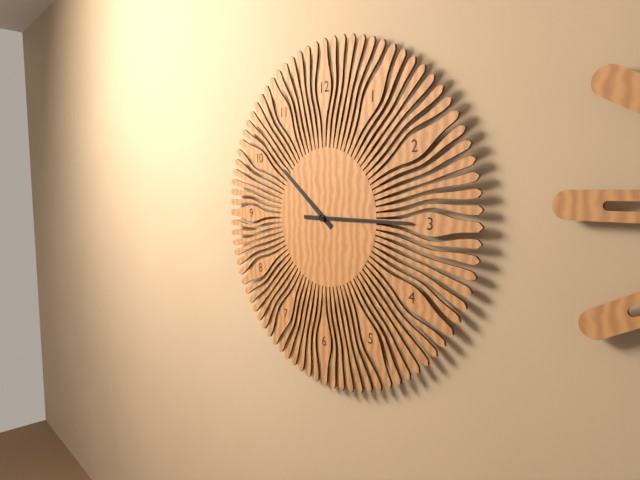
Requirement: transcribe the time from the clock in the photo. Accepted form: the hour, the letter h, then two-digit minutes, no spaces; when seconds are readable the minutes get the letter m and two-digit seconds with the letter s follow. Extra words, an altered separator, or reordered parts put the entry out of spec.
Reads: 10h15
